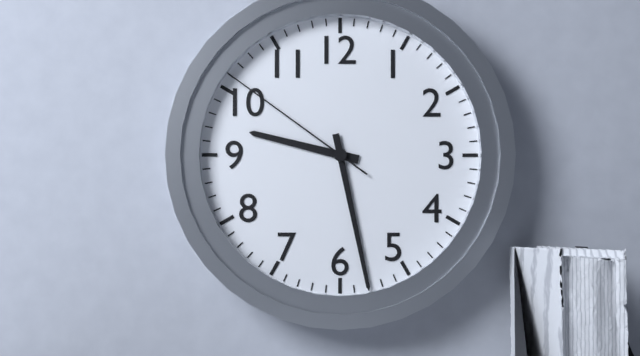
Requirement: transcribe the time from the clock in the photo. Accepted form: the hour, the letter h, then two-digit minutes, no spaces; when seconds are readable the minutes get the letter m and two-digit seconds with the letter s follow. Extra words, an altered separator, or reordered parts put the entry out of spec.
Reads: 9h28m51s
